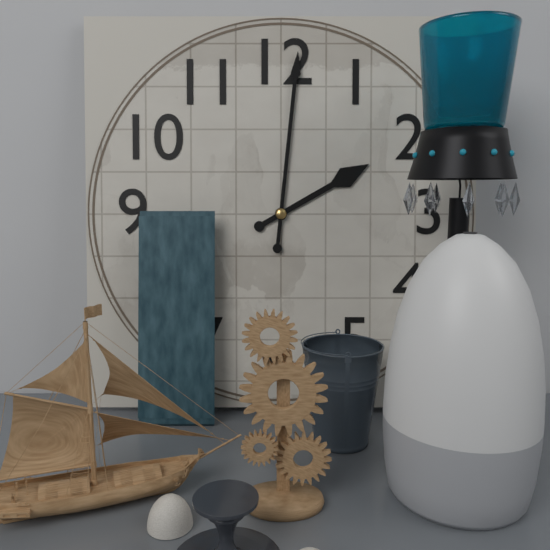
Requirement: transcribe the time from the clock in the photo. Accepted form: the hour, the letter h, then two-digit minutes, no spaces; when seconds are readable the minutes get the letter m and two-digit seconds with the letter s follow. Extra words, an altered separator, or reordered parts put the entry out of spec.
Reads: 2h01
